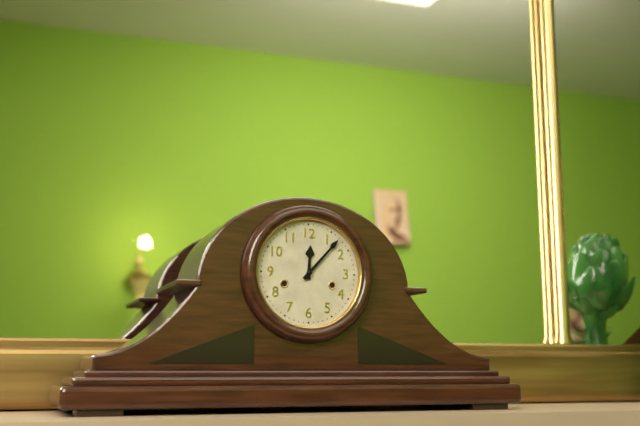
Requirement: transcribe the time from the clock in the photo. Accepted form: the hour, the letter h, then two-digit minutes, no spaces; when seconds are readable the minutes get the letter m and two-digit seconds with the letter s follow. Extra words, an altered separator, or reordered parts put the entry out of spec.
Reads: 12h07
